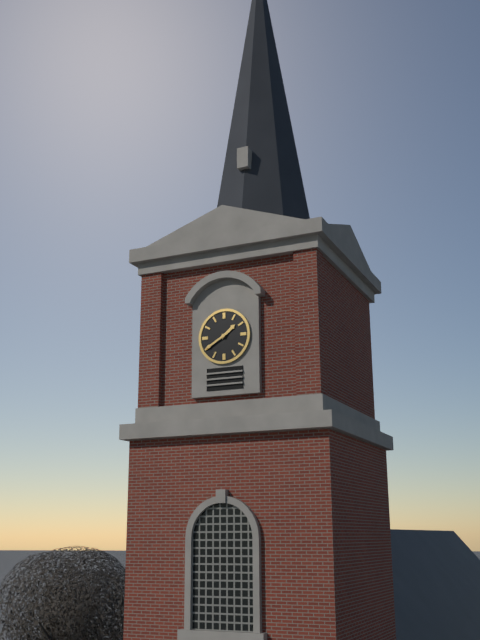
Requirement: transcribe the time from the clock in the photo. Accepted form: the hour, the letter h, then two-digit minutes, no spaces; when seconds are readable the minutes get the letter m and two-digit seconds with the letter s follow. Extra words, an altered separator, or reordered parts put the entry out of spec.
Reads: 1h40
